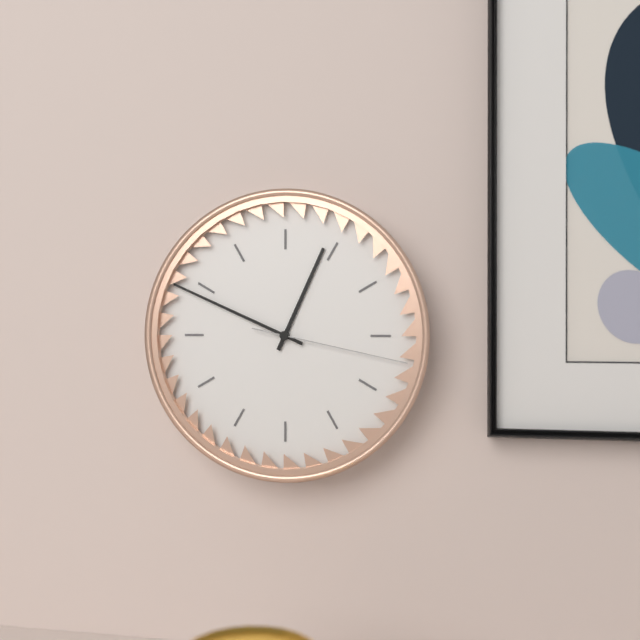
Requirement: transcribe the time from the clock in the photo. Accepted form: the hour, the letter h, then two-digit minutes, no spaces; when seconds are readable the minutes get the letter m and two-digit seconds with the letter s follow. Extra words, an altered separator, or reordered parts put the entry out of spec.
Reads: 12h49m17s
